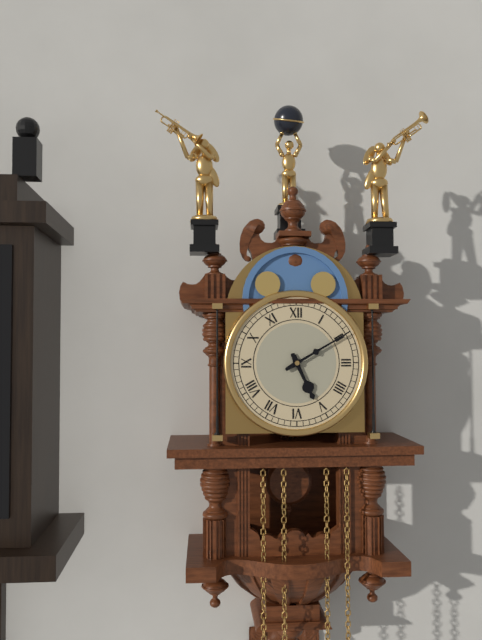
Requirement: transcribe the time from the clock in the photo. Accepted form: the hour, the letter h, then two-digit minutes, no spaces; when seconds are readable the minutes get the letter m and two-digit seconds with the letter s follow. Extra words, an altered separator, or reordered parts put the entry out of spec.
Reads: 5h10
